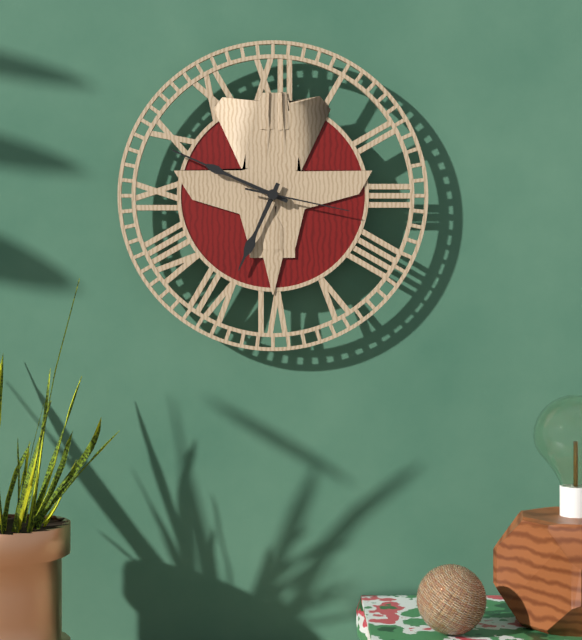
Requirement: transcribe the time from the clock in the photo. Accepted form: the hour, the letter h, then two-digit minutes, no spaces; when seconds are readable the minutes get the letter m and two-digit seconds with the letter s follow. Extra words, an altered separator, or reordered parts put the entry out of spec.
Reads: 6h49m17s
